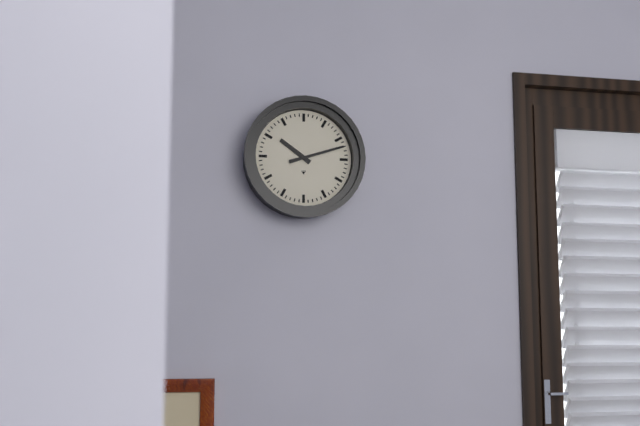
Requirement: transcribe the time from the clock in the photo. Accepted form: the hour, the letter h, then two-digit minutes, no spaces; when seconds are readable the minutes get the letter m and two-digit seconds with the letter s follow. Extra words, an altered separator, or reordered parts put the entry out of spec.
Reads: 10h12
